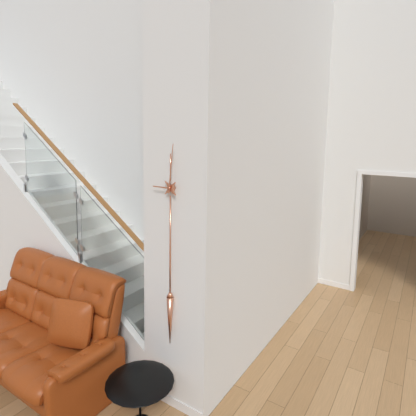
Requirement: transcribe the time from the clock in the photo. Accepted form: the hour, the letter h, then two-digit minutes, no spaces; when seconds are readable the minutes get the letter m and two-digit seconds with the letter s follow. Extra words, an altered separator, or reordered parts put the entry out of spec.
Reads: 9h01
